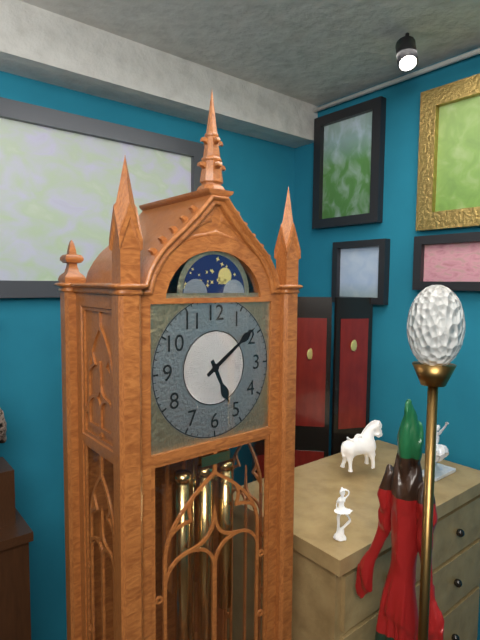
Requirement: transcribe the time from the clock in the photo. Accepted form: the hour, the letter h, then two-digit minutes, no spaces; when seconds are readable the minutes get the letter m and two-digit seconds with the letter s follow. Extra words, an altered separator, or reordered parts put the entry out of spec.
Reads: 5h09
